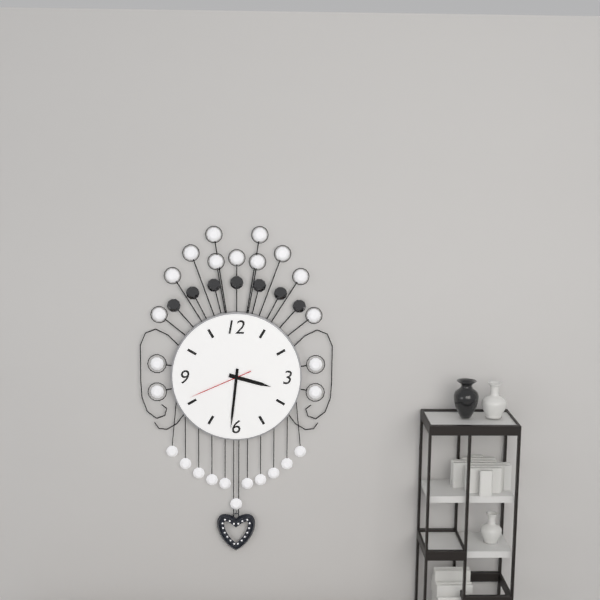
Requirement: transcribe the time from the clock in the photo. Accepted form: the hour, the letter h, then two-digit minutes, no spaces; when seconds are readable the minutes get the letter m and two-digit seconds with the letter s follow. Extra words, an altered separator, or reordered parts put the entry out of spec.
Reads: 3h31m41s
